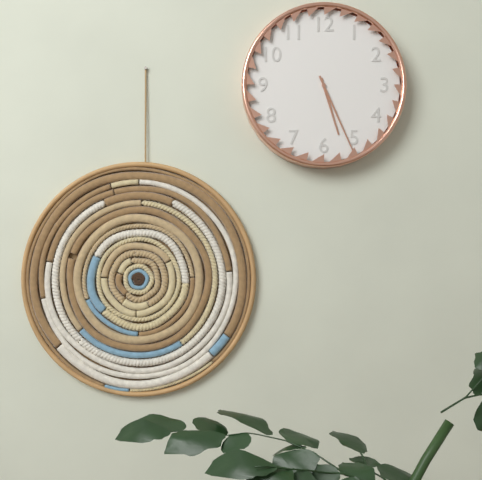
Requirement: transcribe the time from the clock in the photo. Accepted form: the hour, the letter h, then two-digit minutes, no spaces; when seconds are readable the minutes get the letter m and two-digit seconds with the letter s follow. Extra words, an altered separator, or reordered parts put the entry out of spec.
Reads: 5h26
